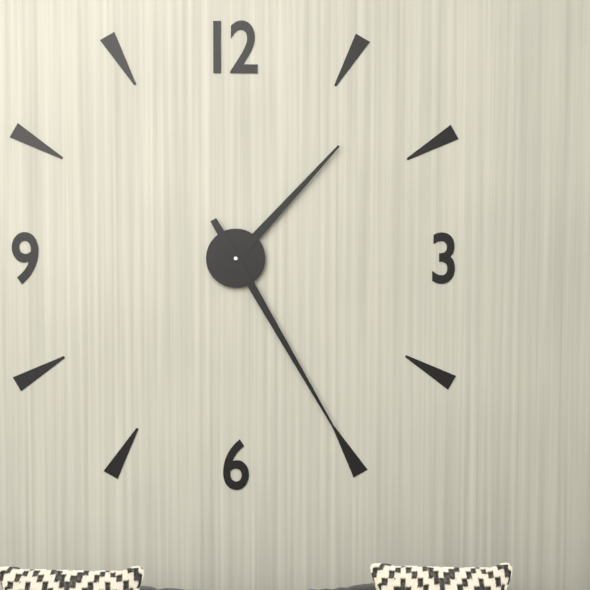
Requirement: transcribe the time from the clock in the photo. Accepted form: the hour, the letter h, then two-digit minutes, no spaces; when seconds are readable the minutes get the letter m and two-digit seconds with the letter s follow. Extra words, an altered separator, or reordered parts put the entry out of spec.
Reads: 1h25
